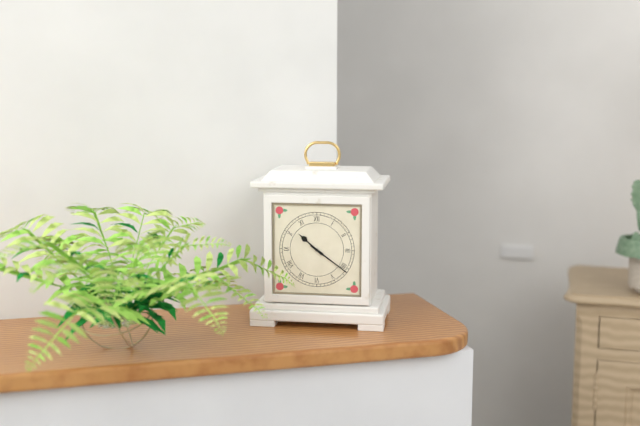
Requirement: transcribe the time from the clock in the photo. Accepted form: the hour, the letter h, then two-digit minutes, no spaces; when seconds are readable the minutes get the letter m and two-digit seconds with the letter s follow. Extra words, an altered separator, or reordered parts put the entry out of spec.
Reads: 10h21
